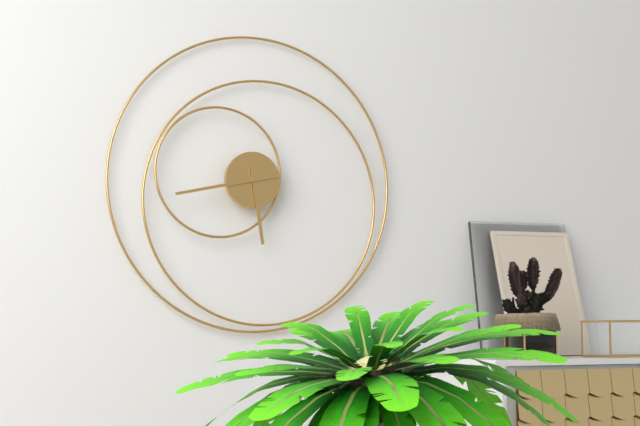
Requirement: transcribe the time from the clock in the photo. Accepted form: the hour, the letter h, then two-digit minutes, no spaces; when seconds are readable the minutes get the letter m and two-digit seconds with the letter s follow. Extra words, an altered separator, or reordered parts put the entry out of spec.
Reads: 5h43
